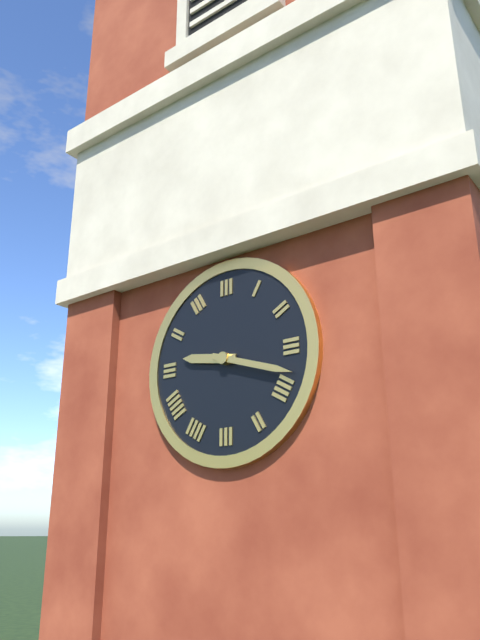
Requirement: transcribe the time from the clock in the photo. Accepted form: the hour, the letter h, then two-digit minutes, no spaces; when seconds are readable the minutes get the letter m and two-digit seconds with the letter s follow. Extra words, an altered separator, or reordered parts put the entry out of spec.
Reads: 9h18
